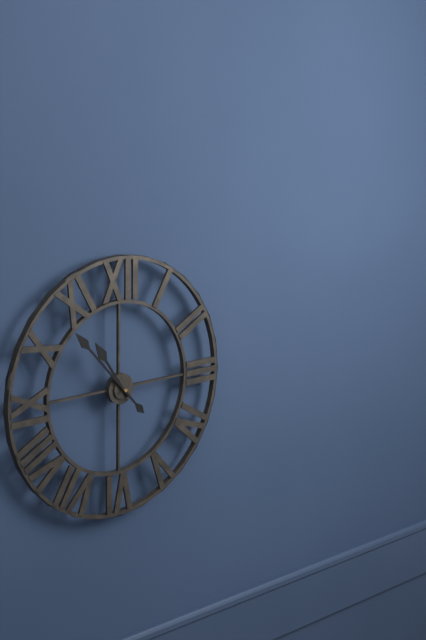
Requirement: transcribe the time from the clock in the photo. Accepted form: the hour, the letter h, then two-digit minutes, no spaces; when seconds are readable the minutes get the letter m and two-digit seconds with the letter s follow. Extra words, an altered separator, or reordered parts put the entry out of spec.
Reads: 10h53
